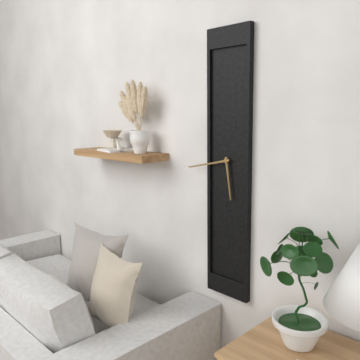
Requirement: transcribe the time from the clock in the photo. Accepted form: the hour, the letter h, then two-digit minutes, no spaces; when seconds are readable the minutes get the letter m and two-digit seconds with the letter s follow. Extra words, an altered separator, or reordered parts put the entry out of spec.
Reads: 5h43
